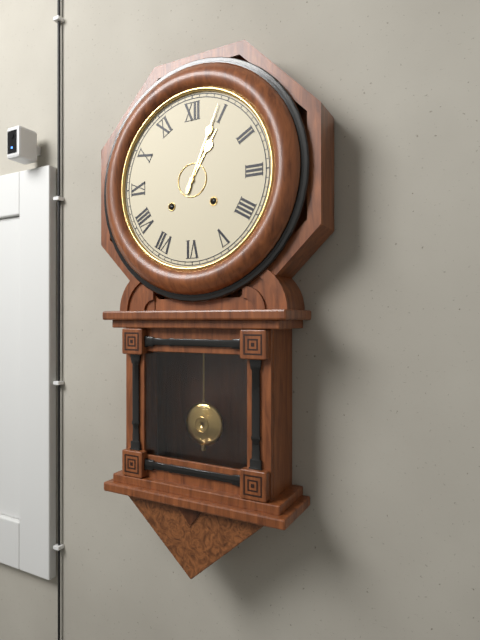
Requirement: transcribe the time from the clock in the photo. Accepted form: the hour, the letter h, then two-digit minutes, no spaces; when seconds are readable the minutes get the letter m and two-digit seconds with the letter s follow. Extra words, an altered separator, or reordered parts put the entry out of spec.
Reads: 1h04
